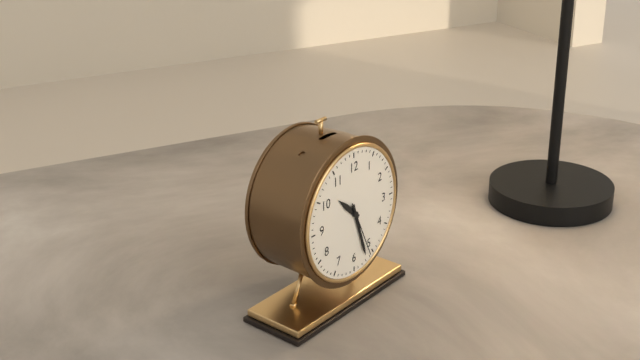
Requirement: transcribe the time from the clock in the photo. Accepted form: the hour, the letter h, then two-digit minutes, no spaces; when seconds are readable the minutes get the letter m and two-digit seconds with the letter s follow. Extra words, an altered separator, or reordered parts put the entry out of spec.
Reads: 10h27m26s
